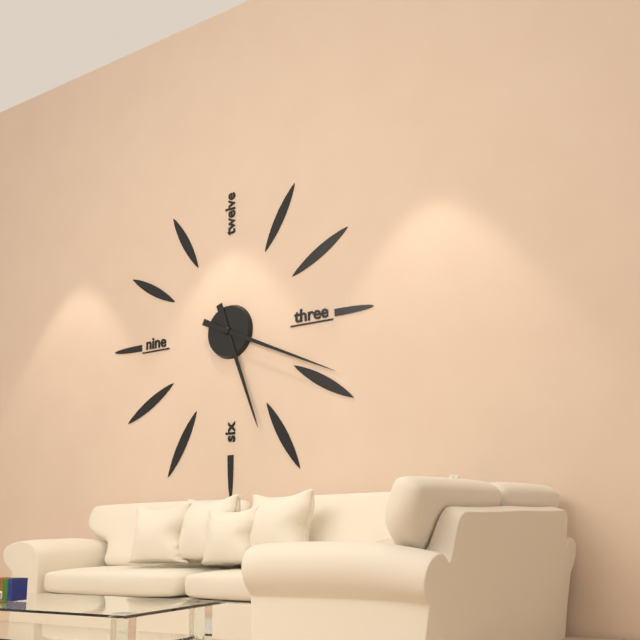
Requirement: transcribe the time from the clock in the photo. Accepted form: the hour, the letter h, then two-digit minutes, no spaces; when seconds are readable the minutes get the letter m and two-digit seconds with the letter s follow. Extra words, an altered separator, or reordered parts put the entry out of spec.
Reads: 5h19
